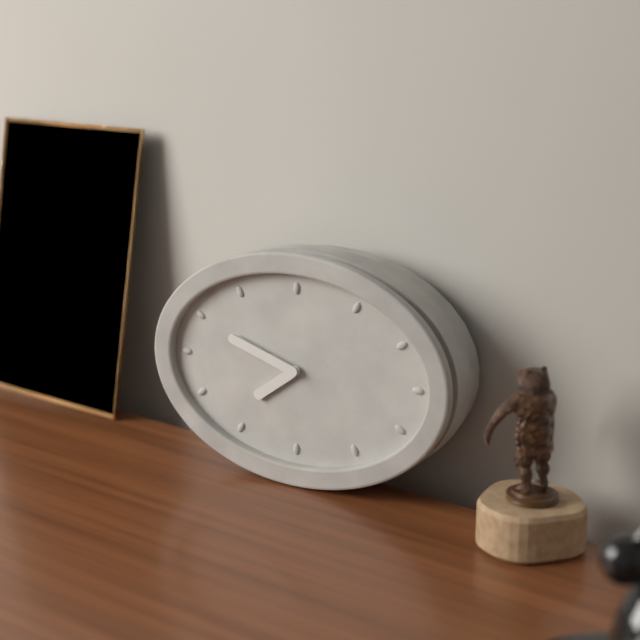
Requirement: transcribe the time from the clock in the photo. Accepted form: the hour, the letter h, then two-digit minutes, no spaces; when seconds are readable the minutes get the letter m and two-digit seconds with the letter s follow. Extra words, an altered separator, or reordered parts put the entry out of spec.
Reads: 7h48
